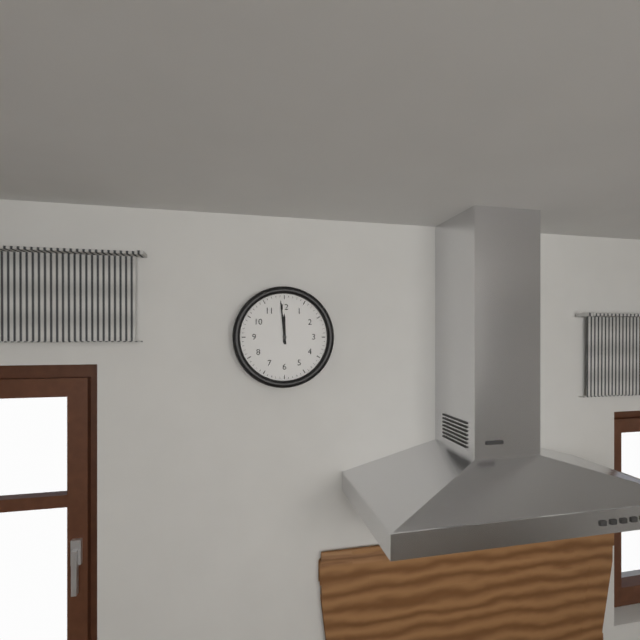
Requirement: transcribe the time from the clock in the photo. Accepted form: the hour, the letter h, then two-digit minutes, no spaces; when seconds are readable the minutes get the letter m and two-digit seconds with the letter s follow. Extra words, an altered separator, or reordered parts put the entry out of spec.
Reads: 11h59
